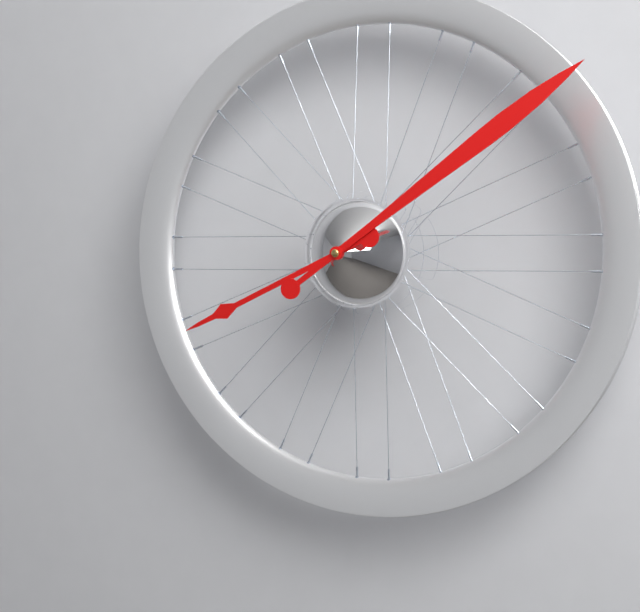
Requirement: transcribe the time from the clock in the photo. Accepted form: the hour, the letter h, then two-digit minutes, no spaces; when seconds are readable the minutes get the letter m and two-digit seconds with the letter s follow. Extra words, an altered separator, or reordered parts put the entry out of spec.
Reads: 8h09
